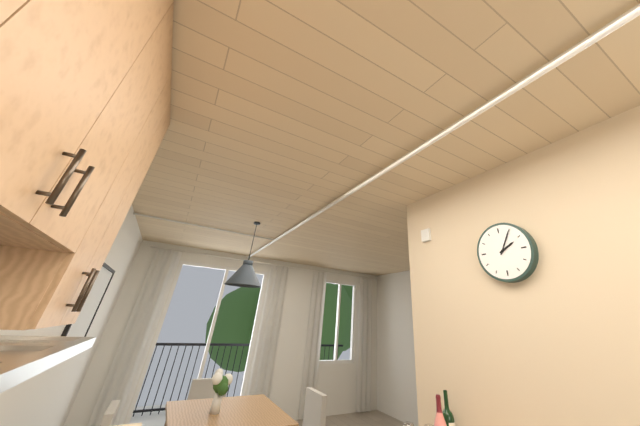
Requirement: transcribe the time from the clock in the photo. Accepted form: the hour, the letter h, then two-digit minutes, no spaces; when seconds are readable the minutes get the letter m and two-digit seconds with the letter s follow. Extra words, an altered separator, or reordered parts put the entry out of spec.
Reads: 2h05
